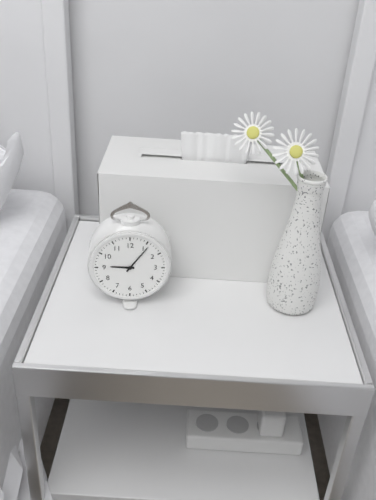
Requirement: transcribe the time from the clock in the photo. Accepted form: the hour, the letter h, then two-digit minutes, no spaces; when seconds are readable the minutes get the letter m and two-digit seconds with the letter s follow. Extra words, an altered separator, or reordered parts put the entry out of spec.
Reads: 9h06
